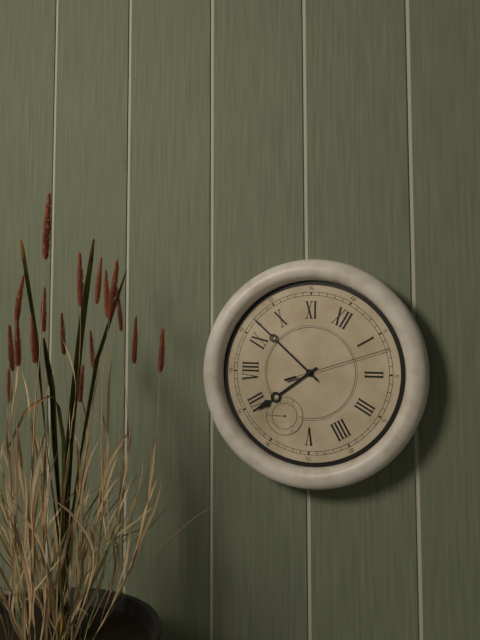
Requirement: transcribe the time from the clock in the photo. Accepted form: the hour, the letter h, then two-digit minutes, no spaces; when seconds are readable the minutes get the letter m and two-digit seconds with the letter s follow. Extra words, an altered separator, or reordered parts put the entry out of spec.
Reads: 6h47m07s
